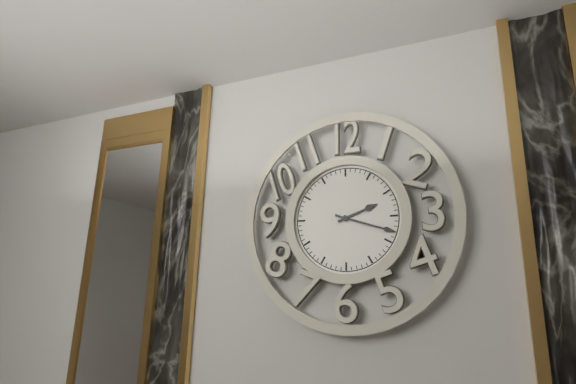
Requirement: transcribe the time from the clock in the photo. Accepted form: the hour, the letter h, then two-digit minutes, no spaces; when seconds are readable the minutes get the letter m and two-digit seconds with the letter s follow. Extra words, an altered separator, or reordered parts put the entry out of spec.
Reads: 2h18
